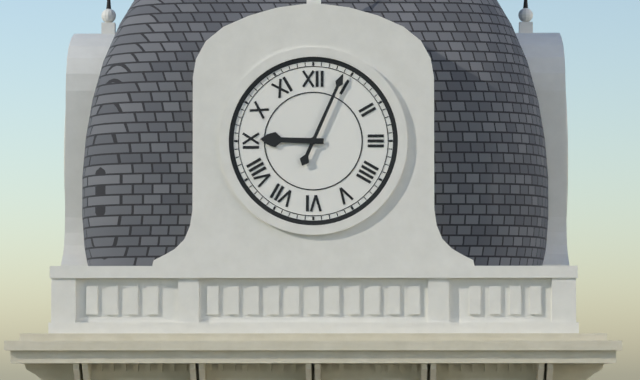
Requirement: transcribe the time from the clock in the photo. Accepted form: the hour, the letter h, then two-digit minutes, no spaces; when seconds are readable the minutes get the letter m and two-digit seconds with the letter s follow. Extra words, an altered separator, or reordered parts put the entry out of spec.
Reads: 9h04
